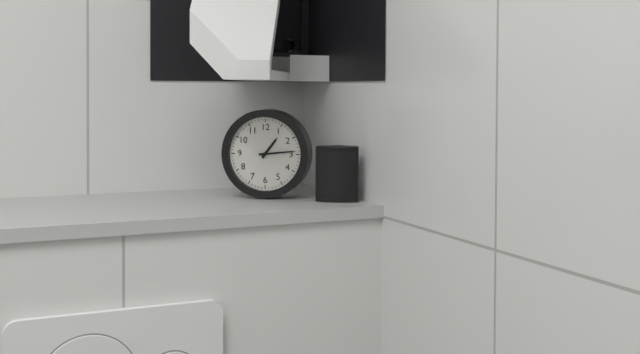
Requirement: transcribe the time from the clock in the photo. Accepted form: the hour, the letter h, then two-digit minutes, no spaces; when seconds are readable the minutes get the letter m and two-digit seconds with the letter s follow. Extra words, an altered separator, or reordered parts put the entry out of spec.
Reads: 1h14
